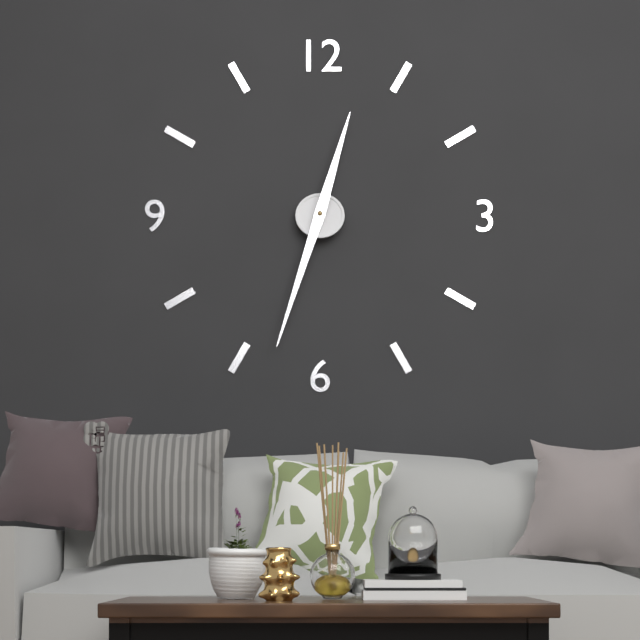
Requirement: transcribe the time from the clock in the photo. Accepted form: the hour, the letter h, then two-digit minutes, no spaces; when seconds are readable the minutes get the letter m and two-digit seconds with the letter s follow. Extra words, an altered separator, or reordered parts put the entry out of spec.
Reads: 12h33
